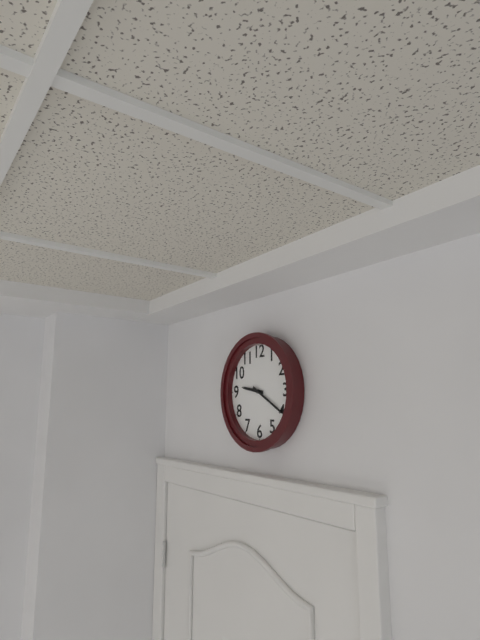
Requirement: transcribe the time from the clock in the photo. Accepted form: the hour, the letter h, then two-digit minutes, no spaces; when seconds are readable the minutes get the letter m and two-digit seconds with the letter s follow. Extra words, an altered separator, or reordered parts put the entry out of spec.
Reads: 9h20
